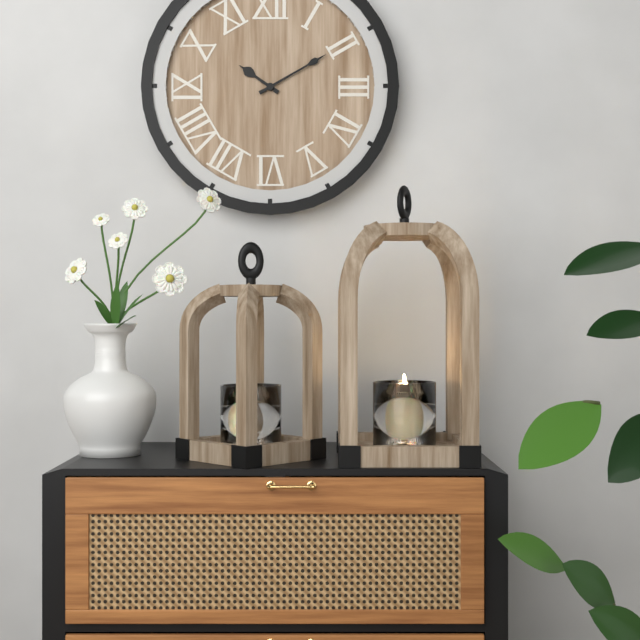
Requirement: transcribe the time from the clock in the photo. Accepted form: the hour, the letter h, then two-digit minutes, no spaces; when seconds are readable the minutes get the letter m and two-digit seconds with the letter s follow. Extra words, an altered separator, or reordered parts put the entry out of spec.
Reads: 10h10
